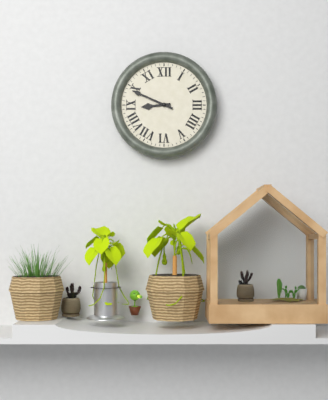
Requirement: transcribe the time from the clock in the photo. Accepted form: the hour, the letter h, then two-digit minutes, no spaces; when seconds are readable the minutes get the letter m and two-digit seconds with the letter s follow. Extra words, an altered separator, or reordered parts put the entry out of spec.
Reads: 8h49
